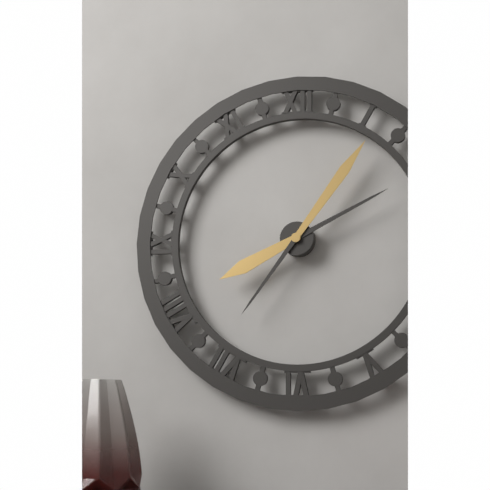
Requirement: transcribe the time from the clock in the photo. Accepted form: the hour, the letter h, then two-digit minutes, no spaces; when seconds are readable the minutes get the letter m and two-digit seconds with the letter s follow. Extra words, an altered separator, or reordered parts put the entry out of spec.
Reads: 8h06
